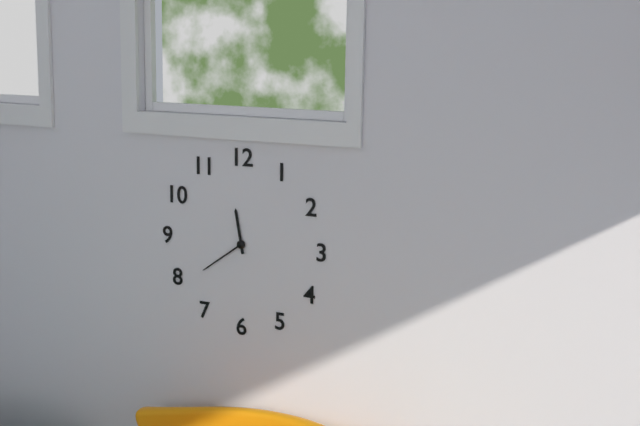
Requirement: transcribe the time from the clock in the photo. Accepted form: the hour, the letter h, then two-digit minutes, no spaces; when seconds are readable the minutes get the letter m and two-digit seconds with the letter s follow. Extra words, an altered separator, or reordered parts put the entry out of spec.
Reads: 11h39
